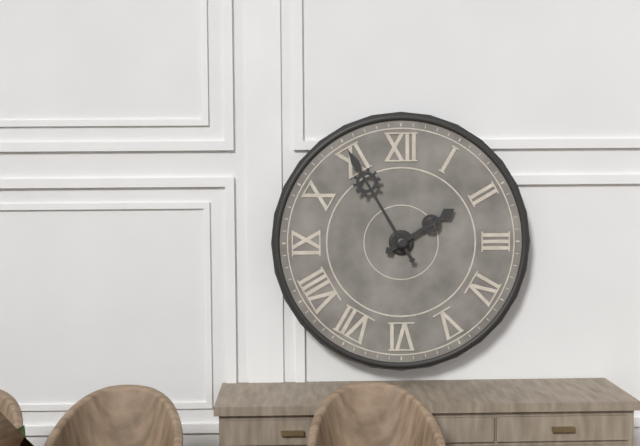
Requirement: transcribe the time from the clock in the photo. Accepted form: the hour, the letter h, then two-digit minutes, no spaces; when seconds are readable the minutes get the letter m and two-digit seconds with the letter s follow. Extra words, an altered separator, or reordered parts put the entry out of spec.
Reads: 1h55
